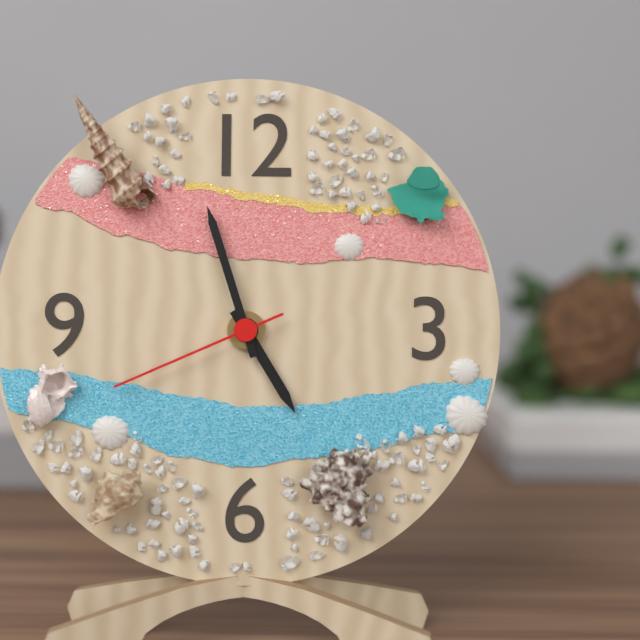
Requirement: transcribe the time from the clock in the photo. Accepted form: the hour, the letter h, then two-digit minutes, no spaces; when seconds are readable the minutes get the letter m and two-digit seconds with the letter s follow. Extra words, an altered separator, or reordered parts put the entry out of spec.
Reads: 4h57m41s
